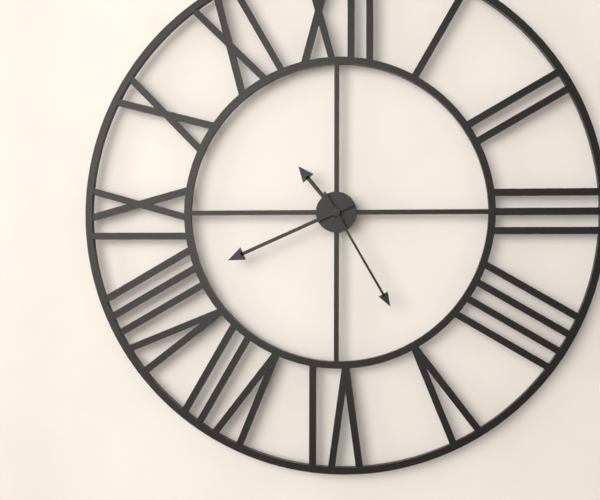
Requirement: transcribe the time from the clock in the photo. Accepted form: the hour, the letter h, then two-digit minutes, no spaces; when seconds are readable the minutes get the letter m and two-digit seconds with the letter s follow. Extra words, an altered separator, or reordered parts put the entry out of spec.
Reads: 10h41m25s
